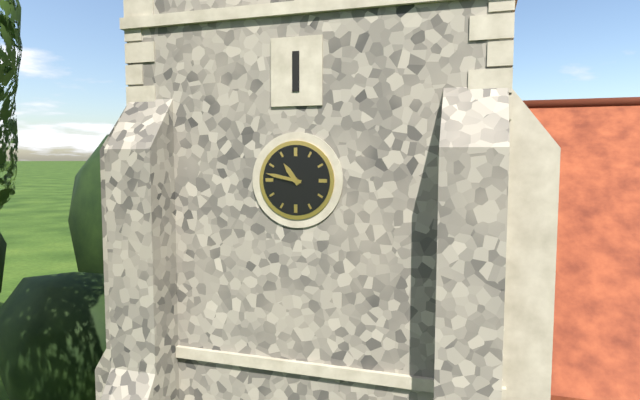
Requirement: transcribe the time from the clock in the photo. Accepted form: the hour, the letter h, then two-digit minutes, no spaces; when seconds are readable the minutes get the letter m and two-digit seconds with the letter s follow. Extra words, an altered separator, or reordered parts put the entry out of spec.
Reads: 10h47
